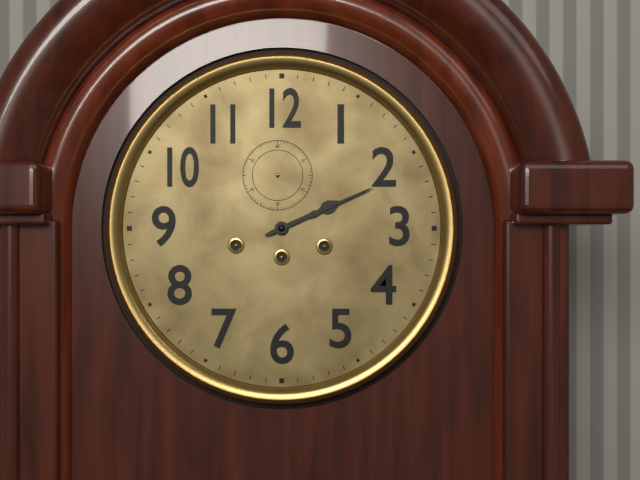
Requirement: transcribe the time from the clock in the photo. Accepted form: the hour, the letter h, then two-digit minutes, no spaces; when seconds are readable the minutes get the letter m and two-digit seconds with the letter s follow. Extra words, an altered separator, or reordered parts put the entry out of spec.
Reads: 2h11
